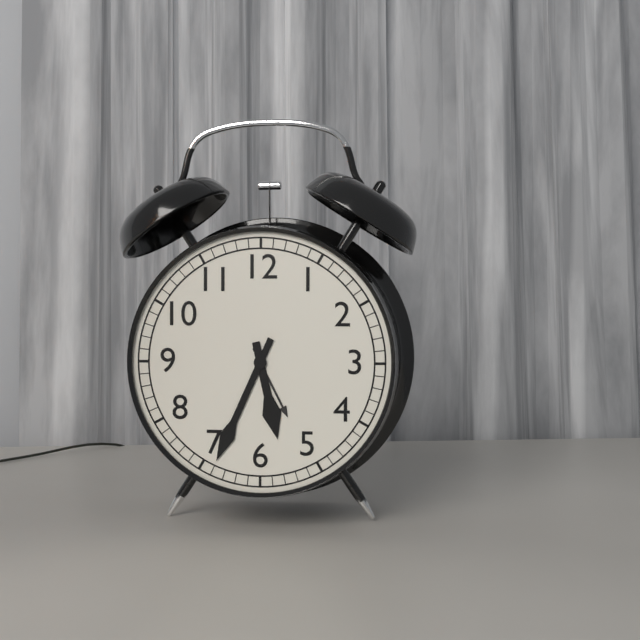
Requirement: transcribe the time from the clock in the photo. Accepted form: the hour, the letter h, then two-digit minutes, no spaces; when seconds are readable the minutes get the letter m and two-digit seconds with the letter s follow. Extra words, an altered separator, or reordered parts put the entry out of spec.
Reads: 5h34
